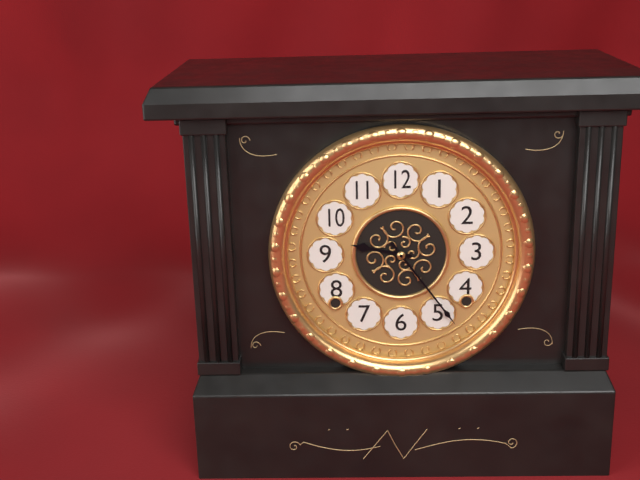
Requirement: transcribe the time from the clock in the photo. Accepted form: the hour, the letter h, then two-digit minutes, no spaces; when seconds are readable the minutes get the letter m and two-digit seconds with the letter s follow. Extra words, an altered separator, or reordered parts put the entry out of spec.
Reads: 9h24
